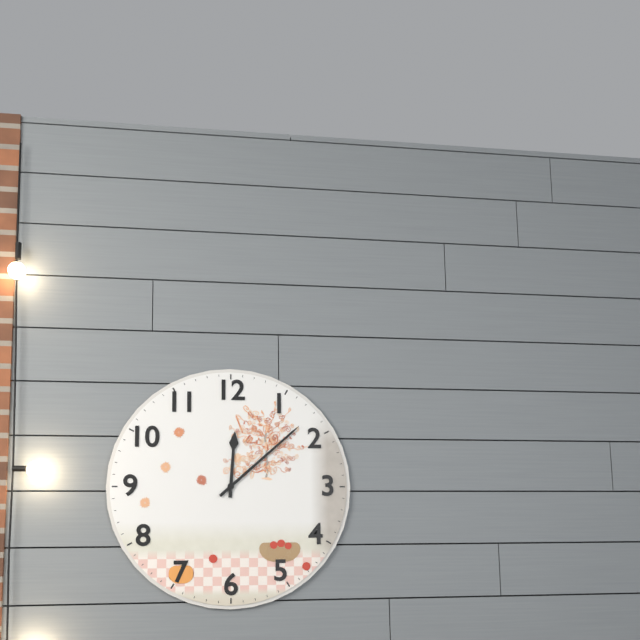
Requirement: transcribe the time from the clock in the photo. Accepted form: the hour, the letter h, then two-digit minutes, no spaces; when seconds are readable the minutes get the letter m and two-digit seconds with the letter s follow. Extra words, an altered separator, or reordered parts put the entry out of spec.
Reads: 12h08
